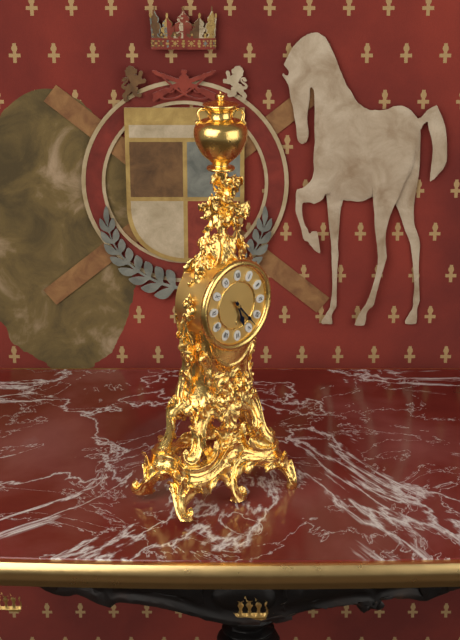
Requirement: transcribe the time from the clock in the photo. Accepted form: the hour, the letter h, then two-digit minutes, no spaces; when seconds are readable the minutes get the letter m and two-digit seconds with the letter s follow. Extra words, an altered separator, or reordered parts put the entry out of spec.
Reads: 5h23
